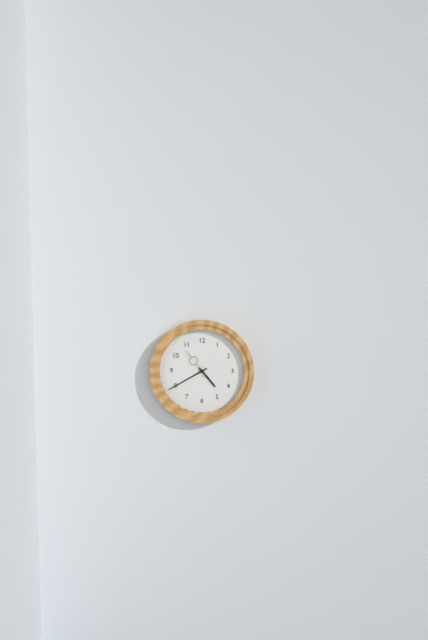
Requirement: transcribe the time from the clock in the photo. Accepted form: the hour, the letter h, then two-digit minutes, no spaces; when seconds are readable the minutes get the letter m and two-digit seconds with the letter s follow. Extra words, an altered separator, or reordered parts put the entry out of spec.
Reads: 4h40
